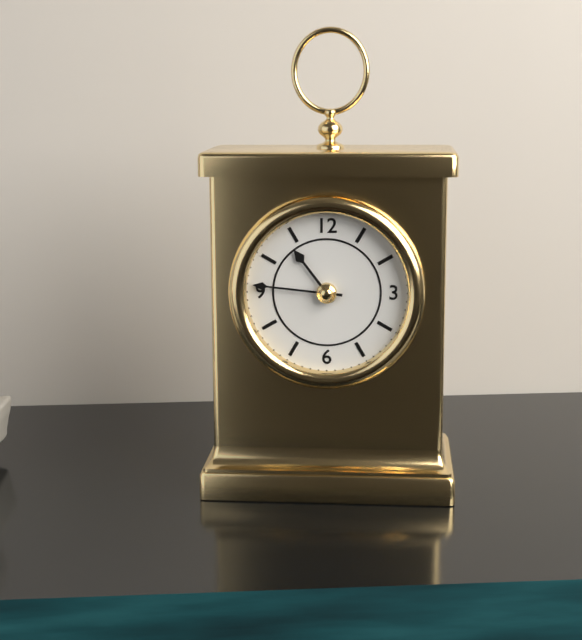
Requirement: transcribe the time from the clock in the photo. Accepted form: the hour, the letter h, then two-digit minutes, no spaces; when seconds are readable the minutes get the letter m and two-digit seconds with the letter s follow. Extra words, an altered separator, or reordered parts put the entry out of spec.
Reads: 10h46
